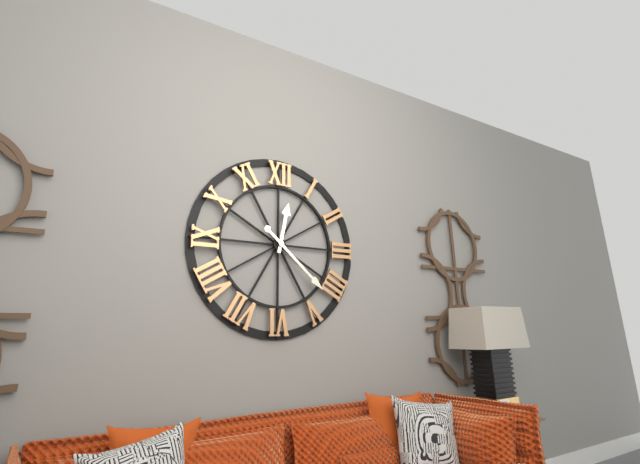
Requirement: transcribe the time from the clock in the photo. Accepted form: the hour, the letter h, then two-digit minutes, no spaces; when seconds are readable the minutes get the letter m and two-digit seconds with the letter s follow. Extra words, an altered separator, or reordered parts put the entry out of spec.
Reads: 12h22
